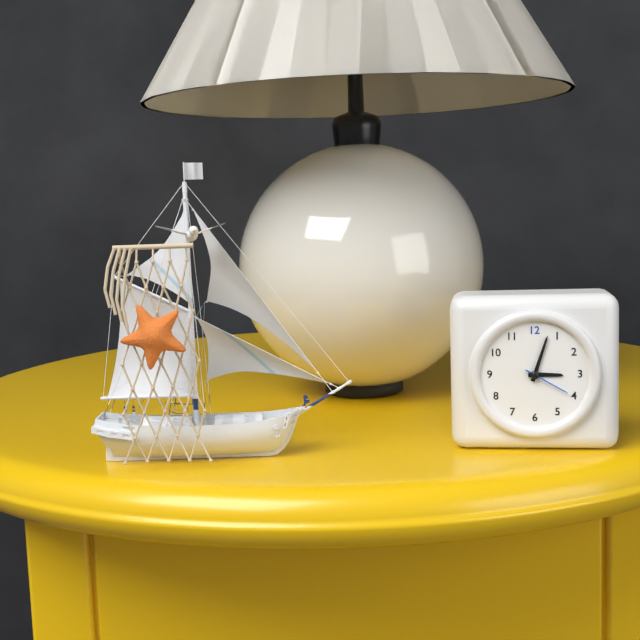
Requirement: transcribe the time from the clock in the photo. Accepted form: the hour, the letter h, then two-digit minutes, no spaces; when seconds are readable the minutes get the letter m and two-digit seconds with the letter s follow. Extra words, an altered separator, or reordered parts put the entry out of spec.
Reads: 3h03
